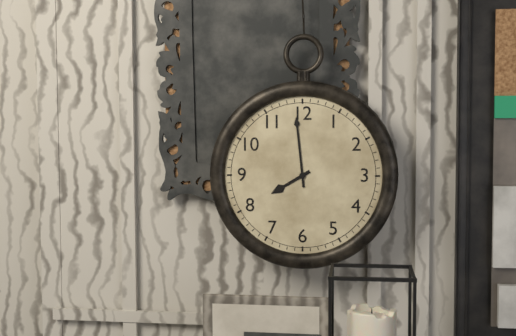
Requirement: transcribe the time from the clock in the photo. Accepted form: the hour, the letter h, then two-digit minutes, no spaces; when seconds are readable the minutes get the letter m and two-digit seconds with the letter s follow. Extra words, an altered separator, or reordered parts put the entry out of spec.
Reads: 7h59
